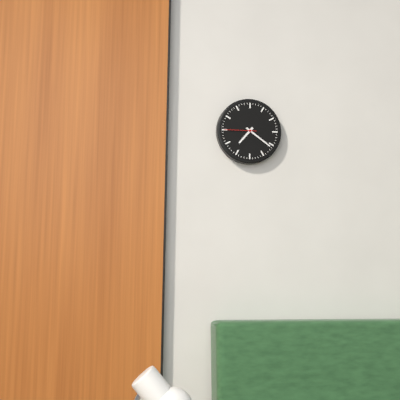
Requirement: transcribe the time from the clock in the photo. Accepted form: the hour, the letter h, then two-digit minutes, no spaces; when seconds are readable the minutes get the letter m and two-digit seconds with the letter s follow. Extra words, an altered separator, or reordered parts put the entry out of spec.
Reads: 7h21
